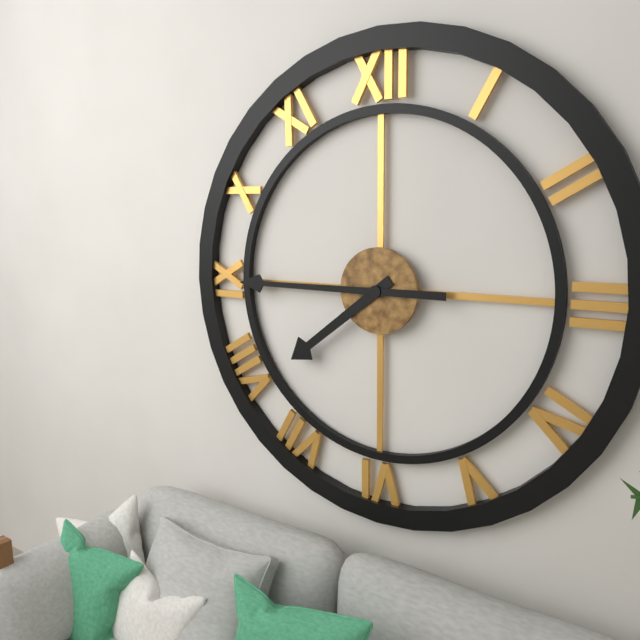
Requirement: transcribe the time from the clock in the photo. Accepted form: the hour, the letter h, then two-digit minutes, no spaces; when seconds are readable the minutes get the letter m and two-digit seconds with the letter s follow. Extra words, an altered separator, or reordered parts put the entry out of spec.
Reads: 7h45
